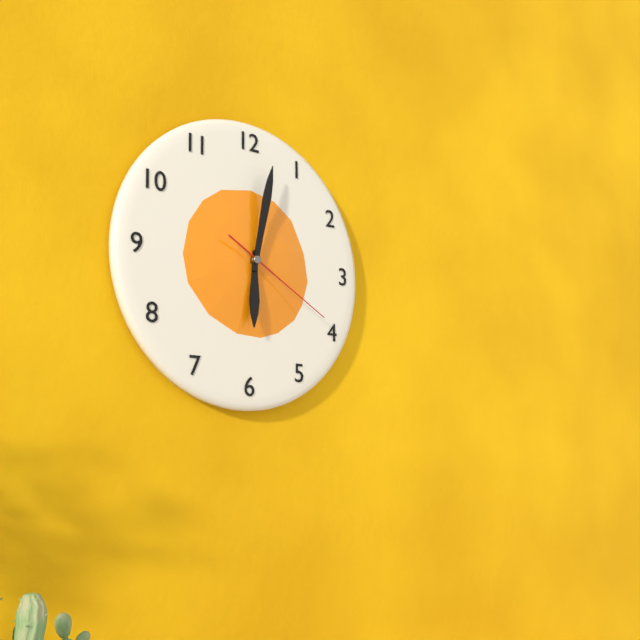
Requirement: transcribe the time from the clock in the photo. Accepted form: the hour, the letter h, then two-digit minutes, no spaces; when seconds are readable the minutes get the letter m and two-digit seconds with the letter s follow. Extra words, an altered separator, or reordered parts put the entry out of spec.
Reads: 6h02m20s
